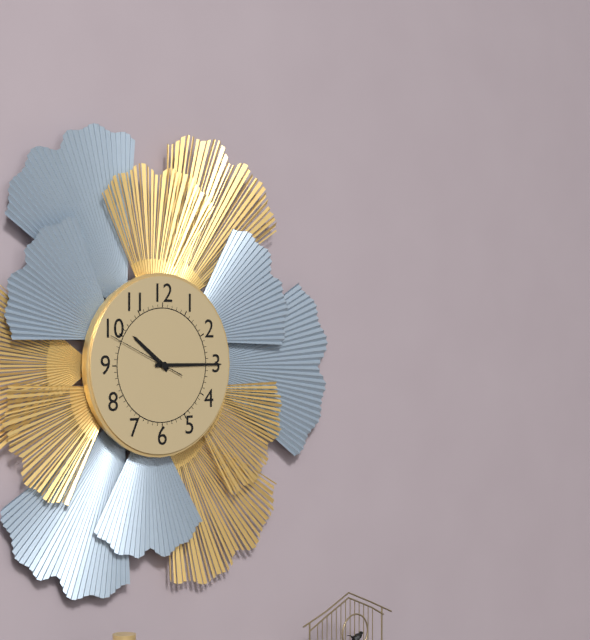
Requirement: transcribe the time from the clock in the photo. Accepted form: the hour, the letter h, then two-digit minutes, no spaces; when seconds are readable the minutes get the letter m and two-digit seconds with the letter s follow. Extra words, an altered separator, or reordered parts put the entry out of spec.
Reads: 10h15m49s
